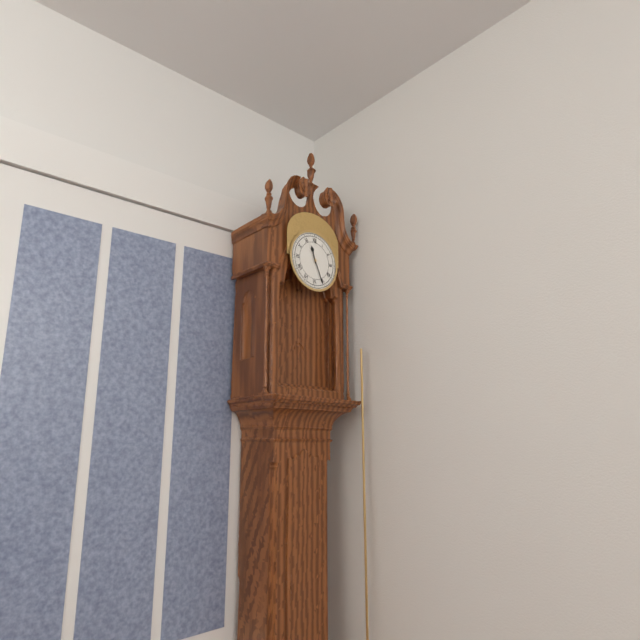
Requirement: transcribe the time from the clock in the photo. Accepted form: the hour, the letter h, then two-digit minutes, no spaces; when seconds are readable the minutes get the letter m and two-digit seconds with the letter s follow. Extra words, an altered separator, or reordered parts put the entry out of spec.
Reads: 11h26
